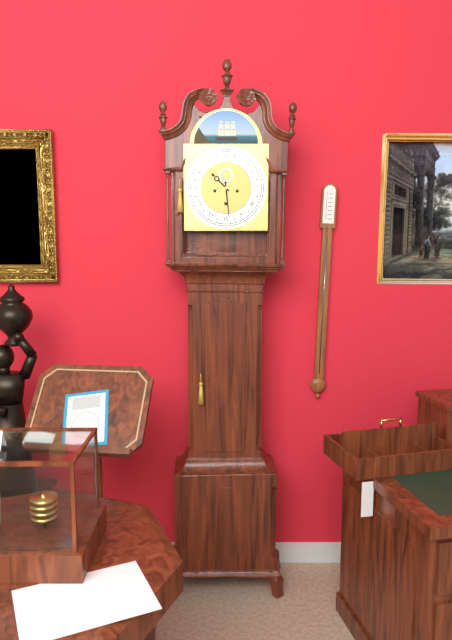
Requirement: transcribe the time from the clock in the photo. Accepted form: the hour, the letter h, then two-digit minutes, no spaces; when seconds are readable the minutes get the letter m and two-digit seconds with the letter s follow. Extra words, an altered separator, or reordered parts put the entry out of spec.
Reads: 10h29
